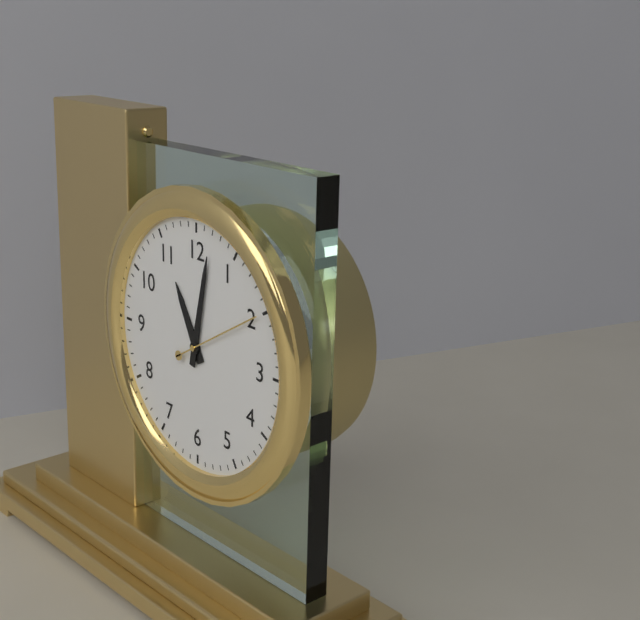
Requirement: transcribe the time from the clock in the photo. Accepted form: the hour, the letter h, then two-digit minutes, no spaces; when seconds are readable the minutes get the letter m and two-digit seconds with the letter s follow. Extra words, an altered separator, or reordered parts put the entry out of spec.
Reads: 11h02
